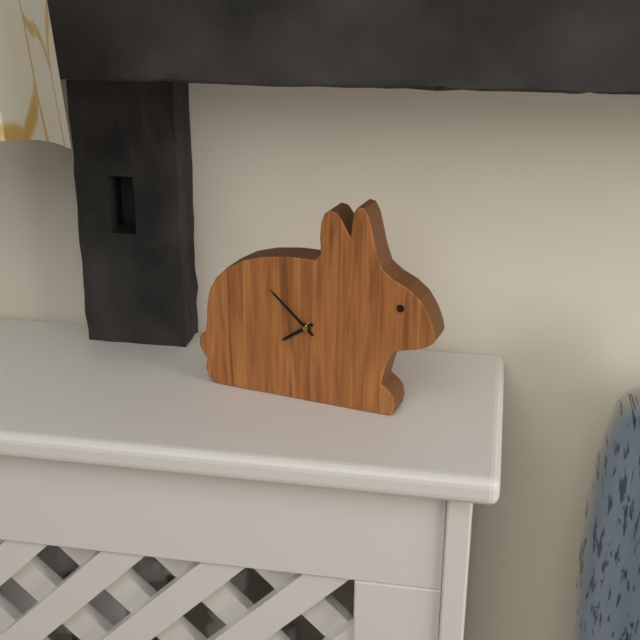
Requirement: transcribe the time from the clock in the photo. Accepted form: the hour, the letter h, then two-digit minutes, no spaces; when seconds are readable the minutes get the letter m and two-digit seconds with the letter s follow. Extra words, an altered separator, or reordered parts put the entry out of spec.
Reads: 7h52
